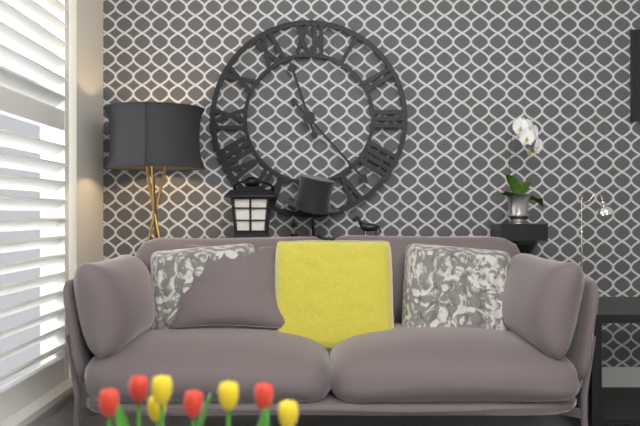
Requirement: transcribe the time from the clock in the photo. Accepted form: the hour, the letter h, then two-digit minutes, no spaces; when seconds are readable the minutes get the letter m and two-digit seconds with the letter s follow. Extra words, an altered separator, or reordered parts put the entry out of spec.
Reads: 11h23
